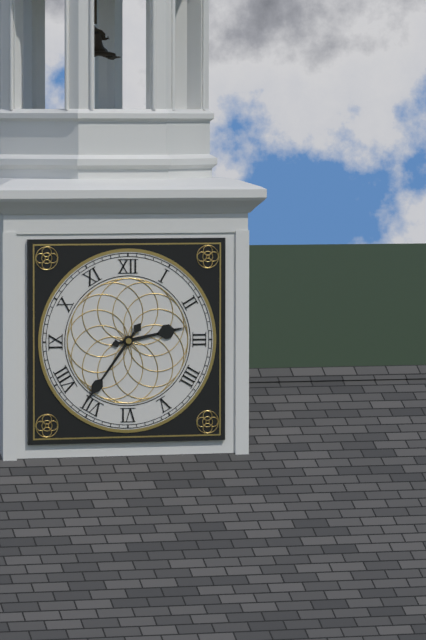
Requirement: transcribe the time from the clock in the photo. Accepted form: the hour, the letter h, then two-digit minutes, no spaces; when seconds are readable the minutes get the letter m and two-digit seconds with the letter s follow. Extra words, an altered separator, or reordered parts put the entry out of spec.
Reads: 2h36
